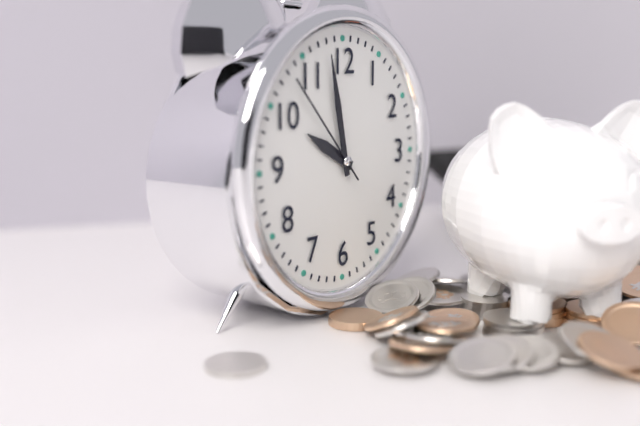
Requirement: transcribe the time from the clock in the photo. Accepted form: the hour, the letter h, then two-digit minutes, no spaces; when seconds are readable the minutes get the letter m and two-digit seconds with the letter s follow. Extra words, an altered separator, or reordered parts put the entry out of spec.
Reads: 9h58m53s
